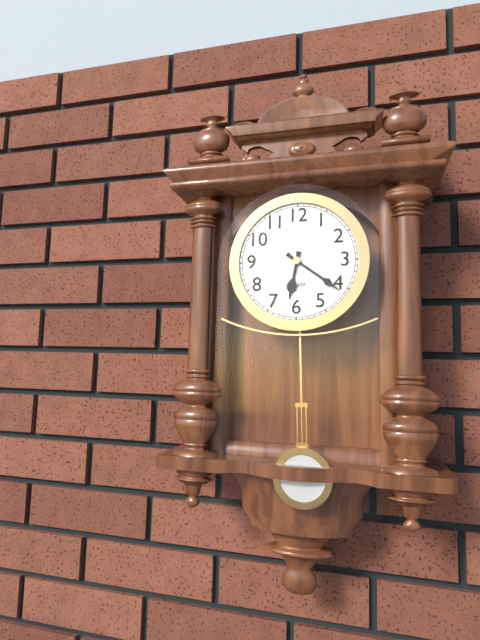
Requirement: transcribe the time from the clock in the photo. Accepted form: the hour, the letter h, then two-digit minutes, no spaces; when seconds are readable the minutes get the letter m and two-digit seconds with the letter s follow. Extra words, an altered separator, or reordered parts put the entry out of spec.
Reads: 6h21
